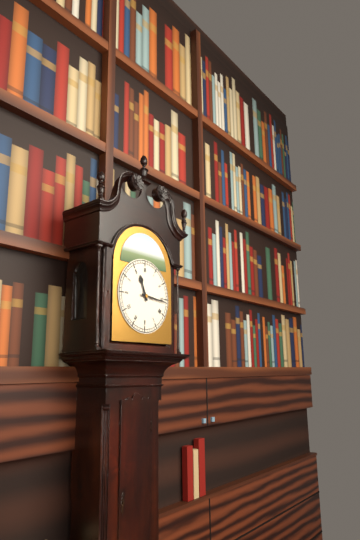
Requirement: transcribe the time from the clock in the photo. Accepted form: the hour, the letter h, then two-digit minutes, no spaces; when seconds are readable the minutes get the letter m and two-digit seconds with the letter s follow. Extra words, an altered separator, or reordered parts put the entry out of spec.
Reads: 11h16
